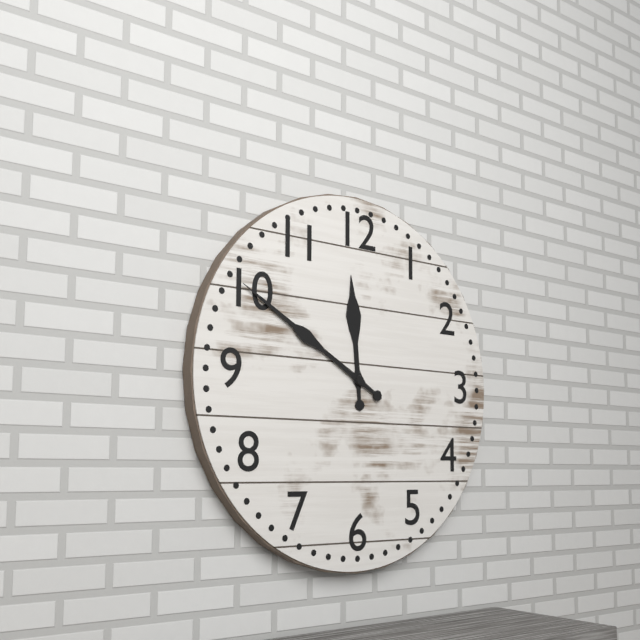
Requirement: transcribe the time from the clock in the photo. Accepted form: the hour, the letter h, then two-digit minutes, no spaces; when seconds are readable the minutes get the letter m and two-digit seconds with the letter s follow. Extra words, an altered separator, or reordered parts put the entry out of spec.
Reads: 11h50
